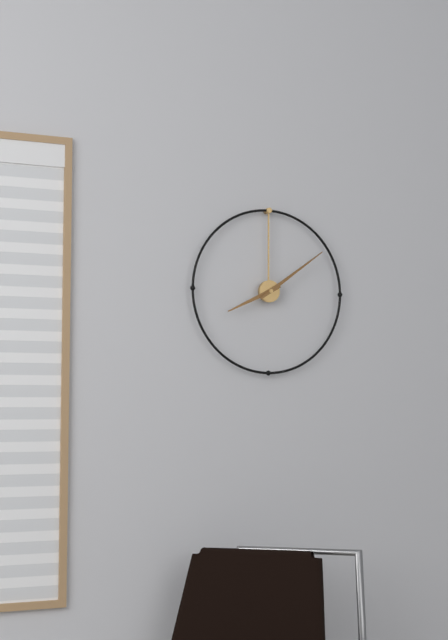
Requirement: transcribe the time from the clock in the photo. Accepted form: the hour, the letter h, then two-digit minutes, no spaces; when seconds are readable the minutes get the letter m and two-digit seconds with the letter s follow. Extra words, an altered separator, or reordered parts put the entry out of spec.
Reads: 8h09
